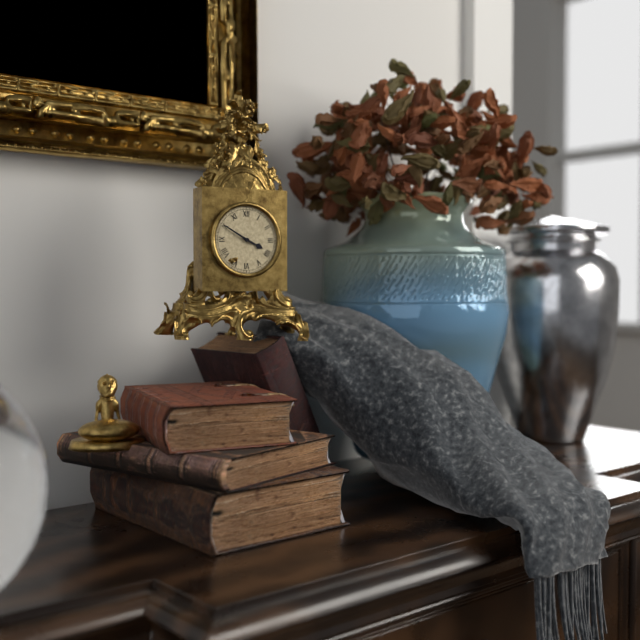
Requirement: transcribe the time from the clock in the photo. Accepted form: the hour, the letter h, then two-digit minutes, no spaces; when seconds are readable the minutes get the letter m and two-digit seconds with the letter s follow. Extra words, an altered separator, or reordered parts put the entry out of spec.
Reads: 3h50
